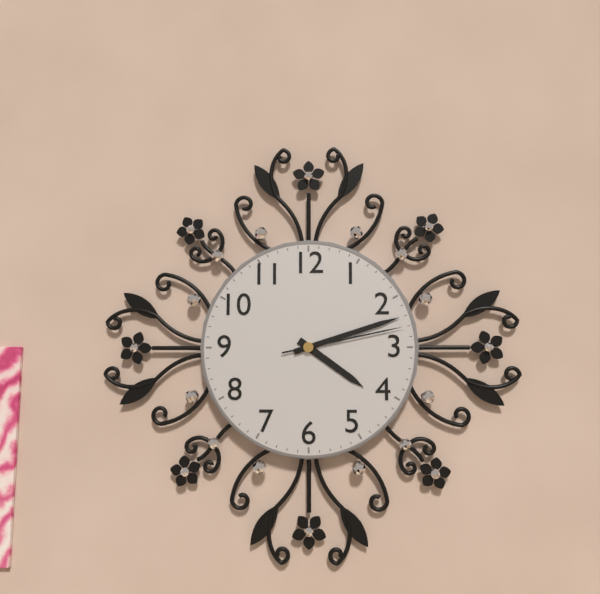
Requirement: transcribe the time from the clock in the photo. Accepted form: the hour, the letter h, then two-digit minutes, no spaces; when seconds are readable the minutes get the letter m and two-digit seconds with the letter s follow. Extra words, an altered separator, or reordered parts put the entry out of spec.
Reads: 4h12m13s
